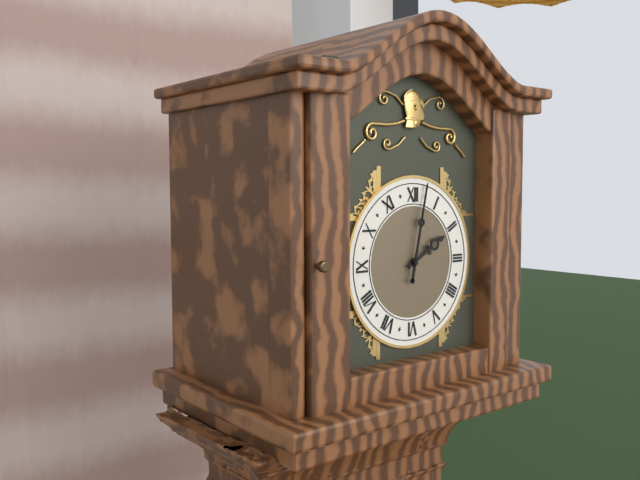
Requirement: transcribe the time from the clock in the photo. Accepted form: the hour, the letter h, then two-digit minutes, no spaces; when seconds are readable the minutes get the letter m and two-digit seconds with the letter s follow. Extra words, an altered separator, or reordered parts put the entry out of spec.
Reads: 2h02
